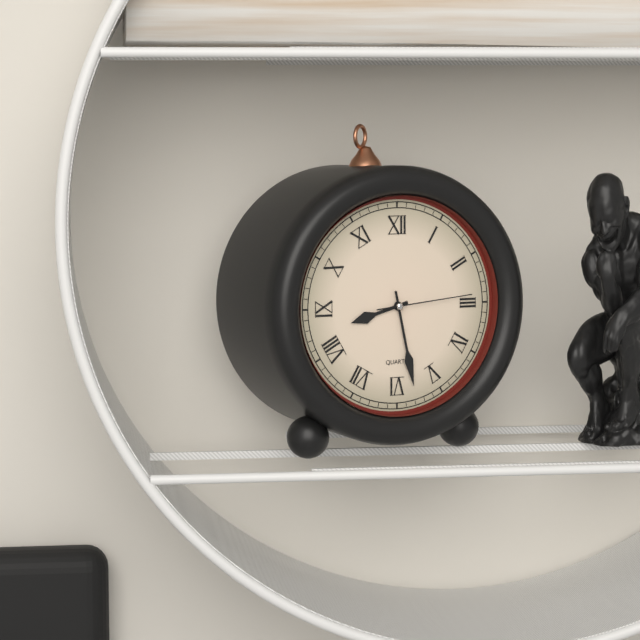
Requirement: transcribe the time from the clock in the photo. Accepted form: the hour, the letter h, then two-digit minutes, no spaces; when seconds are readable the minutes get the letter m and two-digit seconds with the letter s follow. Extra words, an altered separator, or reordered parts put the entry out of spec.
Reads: 8h28m14s
